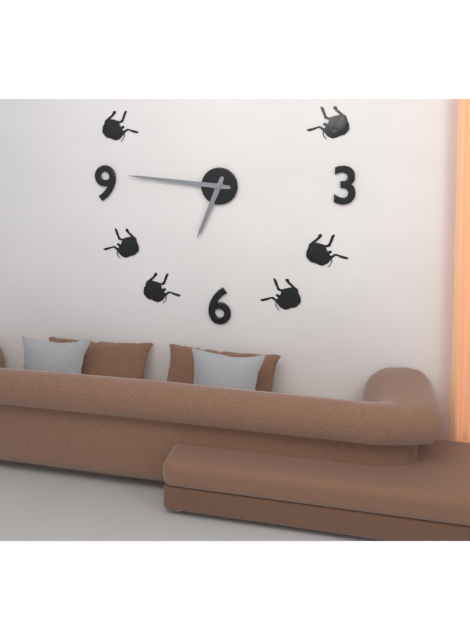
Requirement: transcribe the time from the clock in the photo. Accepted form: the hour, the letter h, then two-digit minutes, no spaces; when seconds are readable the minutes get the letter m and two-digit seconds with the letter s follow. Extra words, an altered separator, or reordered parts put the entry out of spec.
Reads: 6h46
